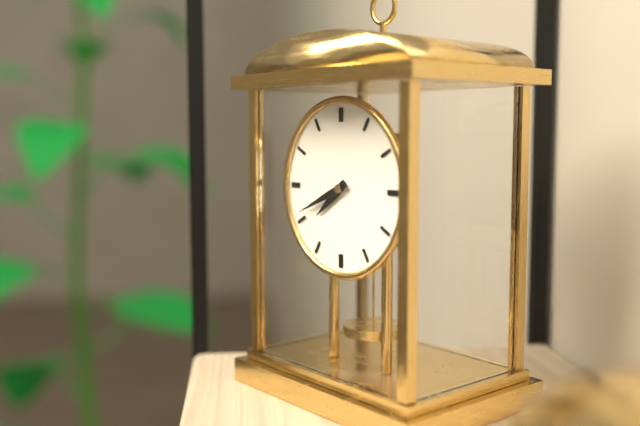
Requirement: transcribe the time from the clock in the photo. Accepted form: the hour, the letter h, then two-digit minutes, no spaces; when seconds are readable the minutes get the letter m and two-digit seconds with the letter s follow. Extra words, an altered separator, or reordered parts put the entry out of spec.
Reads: 7h41
